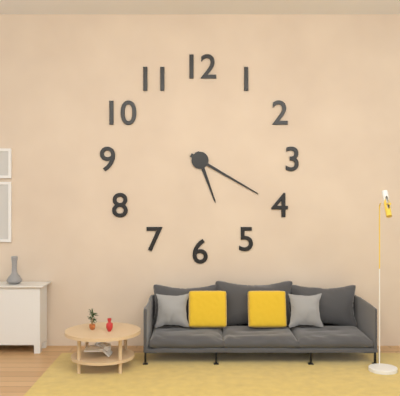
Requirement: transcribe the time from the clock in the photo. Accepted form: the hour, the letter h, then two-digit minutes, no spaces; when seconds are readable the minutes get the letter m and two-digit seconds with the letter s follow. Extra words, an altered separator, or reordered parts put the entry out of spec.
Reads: 5h20
